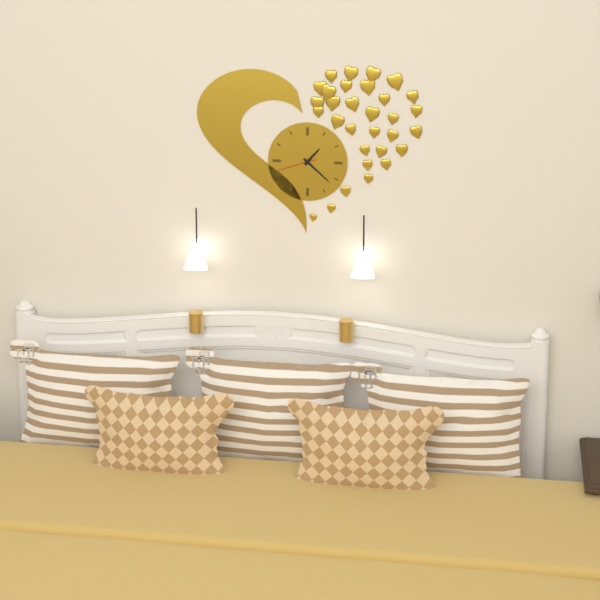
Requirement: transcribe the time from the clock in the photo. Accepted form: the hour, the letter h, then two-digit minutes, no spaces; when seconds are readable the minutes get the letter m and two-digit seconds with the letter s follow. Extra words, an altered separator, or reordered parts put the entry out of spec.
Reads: 1h22
